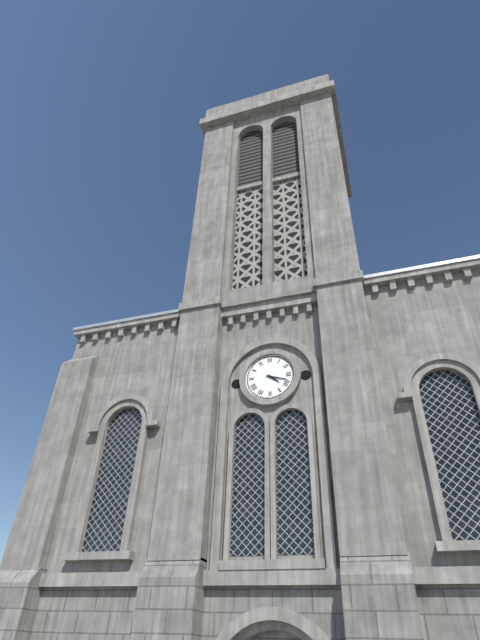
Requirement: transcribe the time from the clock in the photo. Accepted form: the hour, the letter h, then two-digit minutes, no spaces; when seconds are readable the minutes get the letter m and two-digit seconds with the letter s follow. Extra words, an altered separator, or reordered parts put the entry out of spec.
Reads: 4h18
